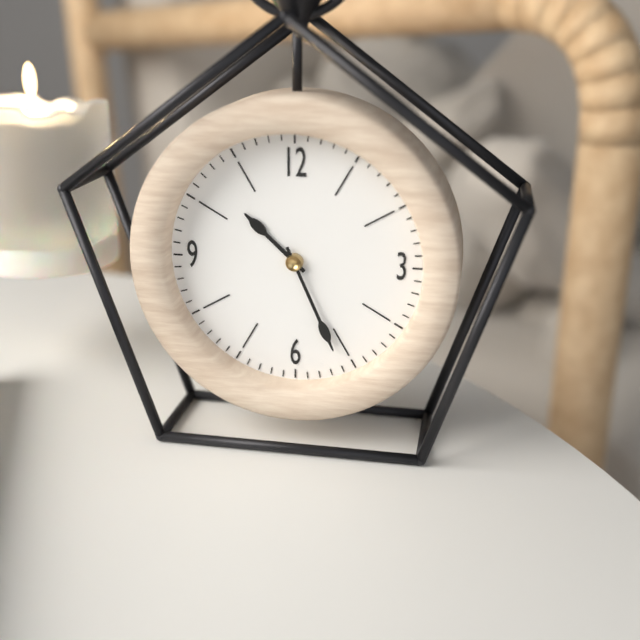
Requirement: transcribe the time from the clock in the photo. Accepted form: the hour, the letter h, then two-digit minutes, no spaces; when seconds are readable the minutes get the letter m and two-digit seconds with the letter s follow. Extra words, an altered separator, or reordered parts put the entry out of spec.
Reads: 10h26
